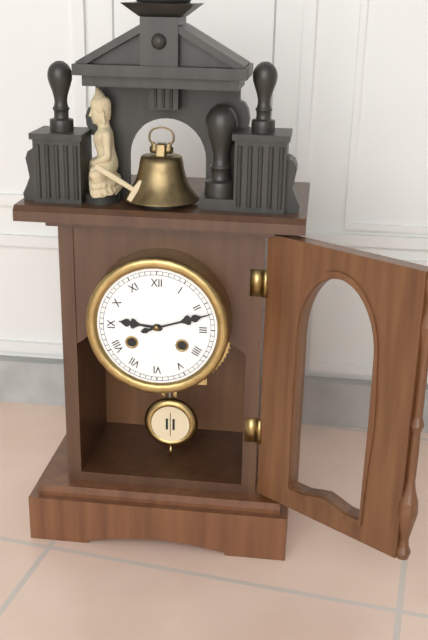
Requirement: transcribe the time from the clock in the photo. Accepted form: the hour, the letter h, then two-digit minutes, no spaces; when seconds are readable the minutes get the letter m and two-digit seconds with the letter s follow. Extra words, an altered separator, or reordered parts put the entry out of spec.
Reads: 9h12
